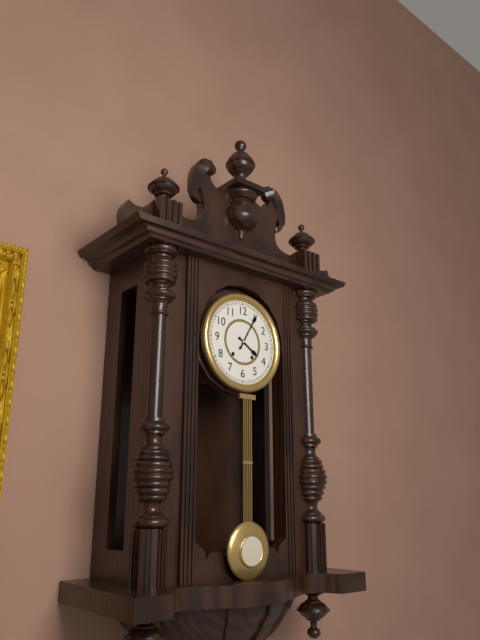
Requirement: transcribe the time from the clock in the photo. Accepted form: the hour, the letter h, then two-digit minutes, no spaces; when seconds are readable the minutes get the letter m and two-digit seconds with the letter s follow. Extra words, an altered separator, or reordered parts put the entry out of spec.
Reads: 4h05
